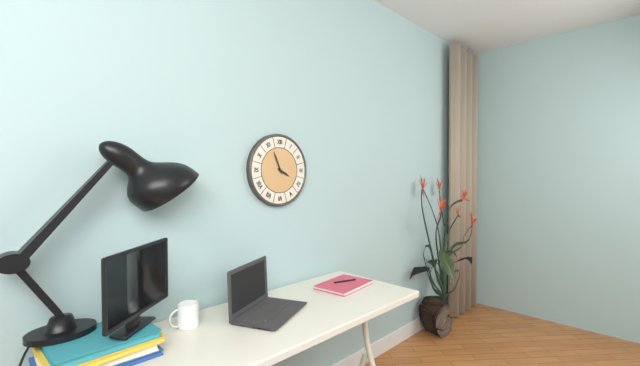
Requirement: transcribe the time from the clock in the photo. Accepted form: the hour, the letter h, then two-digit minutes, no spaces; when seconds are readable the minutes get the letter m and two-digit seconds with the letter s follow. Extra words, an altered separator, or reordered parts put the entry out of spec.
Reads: 3h56
